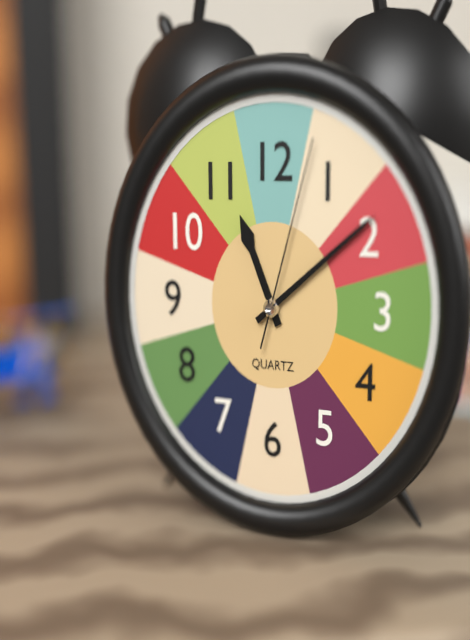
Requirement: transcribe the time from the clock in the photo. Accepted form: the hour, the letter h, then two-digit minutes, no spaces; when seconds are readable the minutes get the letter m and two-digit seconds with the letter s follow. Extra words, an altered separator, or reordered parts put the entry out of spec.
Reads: 11h09m03s
